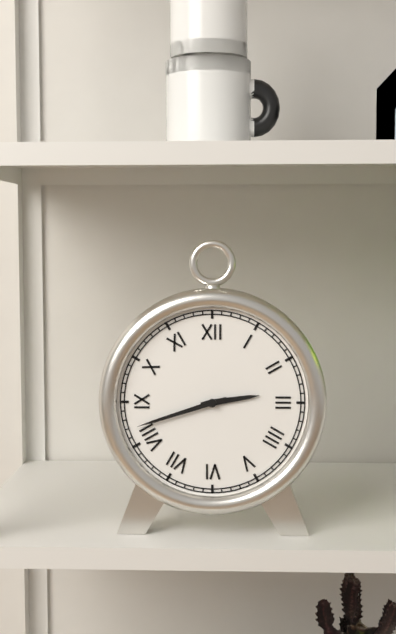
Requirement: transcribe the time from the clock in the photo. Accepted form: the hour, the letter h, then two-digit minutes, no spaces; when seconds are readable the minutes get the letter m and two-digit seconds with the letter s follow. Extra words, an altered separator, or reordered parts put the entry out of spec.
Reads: 2h42
